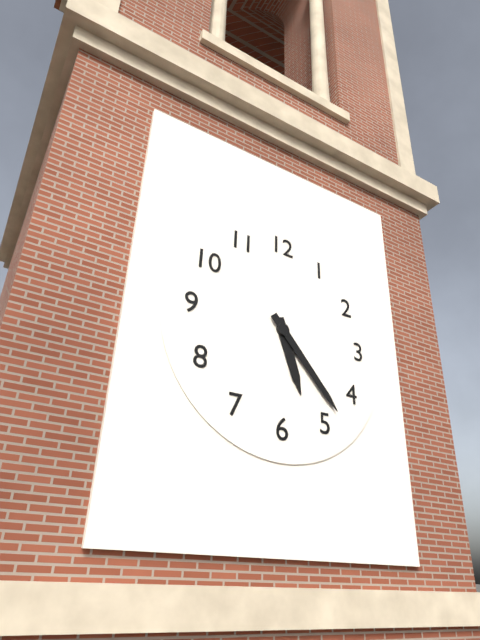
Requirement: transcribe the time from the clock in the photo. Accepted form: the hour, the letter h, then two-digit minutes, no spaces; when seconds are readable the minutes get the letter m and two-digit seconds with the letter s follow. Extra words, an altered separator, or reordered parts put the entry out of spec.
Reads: 5h23
